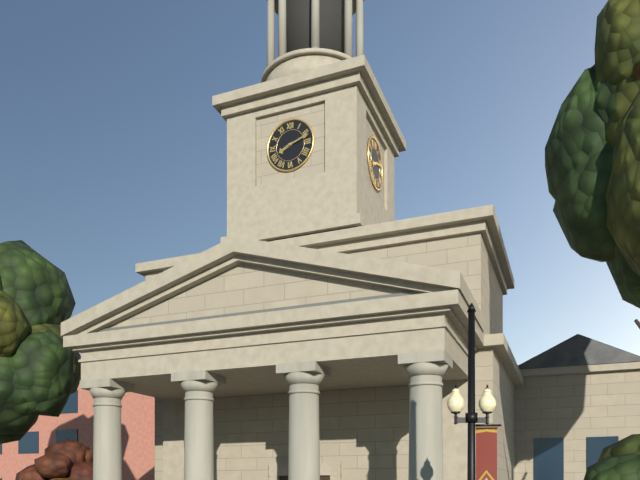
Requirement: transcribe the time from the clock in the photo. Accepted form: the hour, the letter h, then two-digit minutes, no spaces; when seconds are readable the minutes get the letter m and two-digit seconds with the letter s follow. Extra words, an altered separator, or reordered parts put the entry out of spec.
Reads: 8h12
